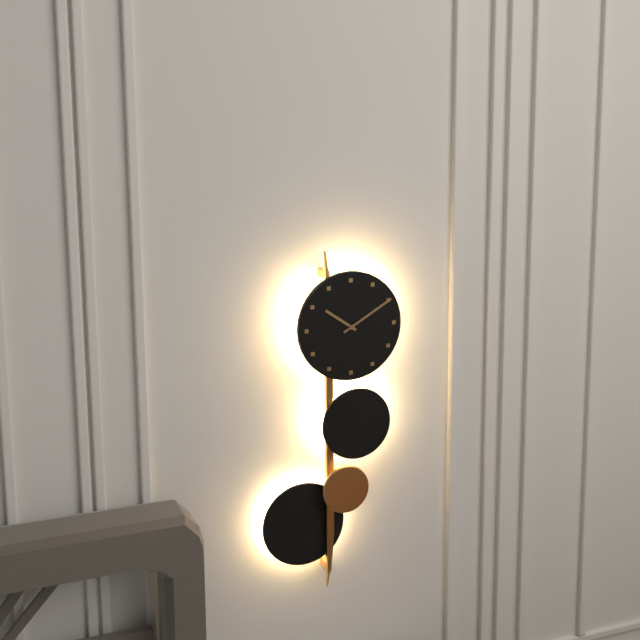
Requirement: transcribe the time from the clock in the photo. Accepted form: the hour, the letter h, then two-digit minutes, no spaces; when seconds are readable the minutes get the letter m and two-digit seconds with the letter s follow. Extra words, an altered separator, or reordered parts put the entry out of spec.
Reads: 10h10
